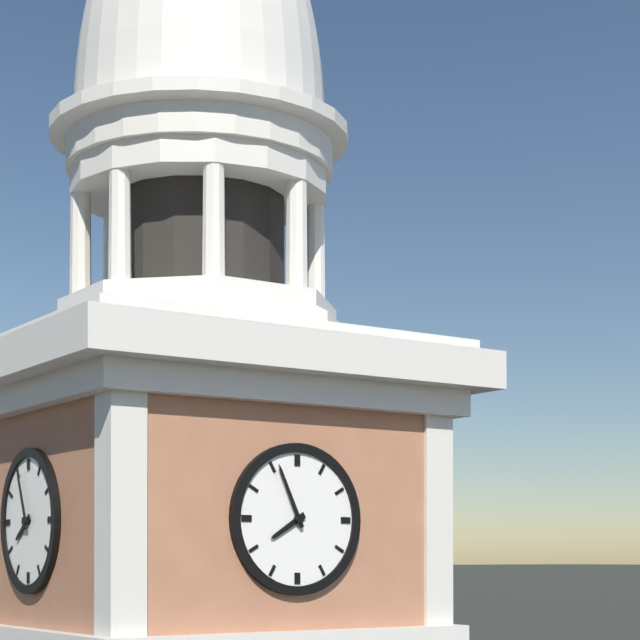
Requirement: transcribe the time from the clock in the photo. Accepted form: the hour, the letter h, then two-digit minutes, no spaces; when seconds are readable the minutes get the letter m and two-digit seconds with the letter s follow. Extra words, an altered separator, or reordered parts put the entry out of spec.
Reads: 7h56
